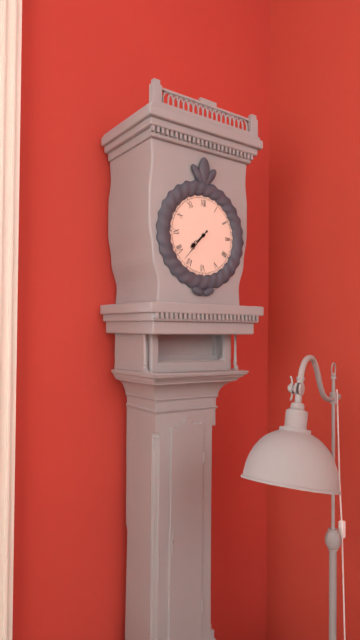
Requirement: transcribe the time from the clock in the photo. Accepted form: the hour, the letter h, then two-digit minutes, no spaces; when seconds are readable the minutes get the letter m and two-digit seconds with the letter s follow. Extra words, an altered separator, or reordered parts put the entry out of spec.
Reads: 7h37
